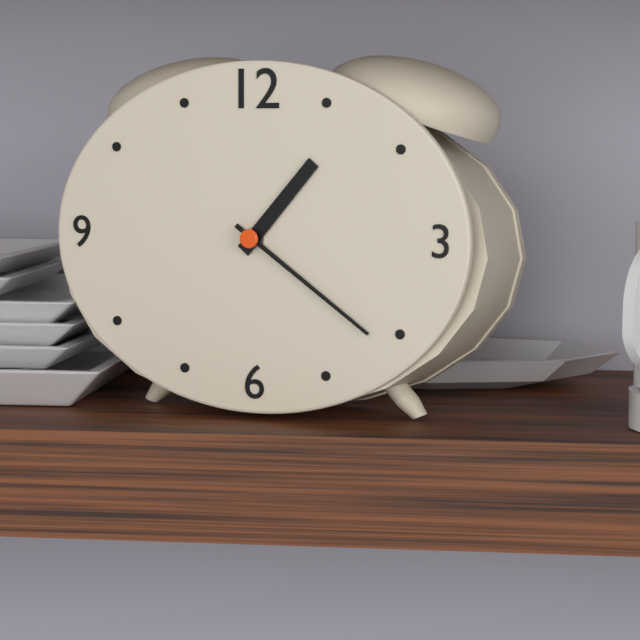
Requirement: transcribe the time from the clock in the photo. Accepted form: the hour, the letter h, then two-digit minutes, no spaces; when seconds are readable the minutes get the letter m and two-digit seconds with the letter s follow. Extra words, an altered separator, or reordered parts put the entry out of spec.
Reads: 1h21
